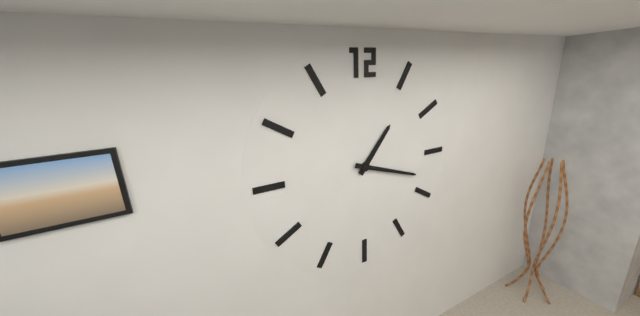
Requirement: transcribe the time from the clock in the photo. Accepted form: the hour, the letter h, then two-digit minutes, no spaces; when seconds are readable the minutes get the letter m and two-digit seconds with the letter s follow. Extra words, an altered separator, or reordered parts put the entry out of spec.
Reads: 1h18
